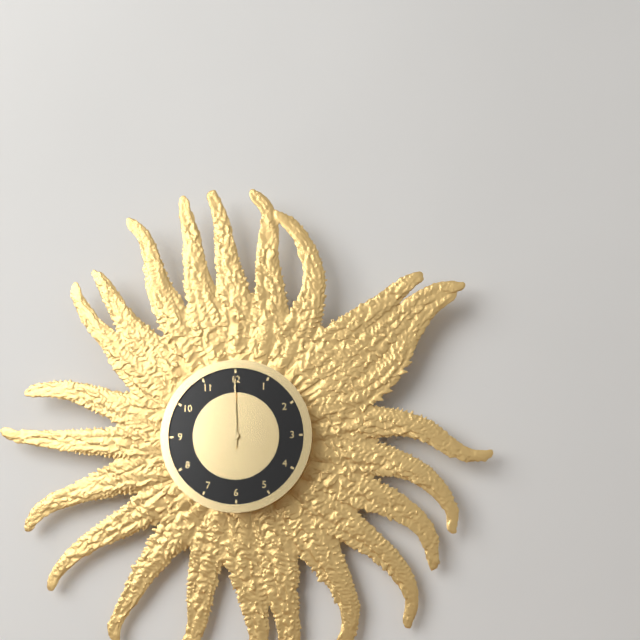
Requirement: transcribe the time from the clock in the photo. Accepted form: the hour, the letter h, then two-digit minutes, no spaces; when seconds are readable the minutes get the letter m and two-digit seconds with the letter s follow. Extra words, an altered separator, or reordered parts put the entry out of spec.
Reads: 12h00
